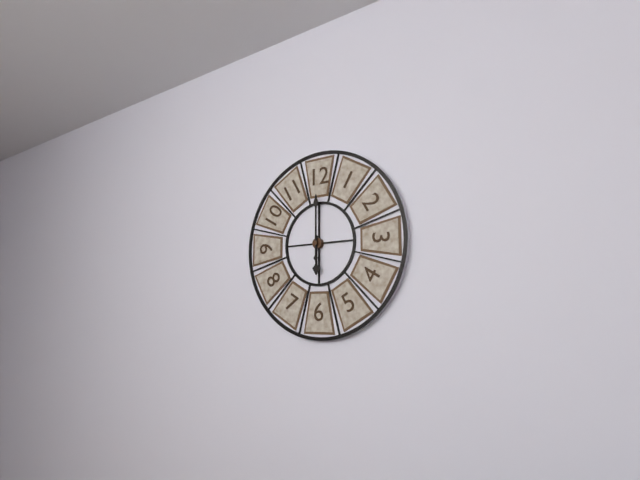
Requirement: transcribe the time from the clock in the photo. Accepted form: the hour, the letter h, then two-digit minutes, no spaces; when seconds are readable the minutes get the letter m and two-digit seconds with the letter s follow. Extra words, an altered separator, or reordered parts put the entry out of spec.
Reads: 6h00
